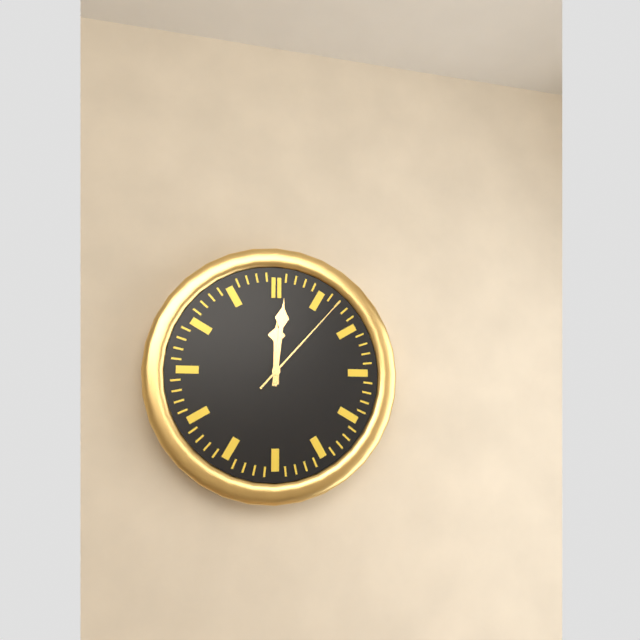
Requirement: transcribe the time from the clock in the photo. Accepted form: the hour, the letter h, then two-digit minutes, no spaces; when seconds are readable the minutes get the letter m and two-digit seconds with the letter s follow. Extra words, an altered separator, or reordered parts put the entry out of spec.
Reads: 12h01m07s
